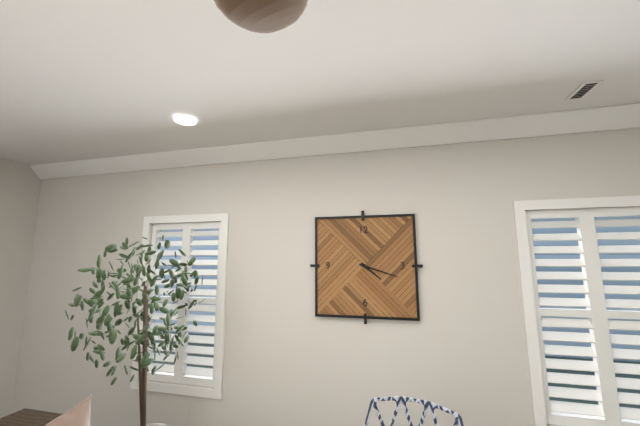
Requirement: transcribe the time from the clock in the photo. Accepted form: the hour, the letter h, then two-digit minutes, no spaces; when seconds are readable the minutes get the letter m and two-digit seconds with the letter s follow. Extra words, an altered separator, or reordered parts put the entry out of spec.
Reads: 4h18
